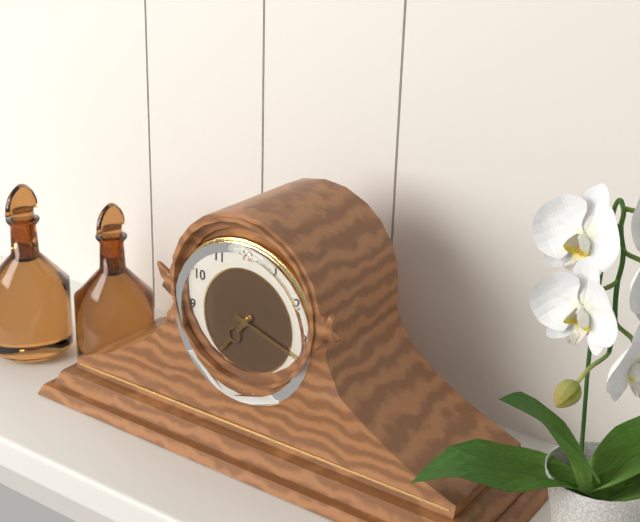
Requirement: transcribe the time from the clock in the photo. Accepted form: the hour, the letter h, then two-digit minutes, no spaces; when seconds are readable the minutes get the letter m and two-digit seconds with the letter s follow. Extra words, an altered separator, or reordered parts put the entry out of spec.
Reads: 7h18
